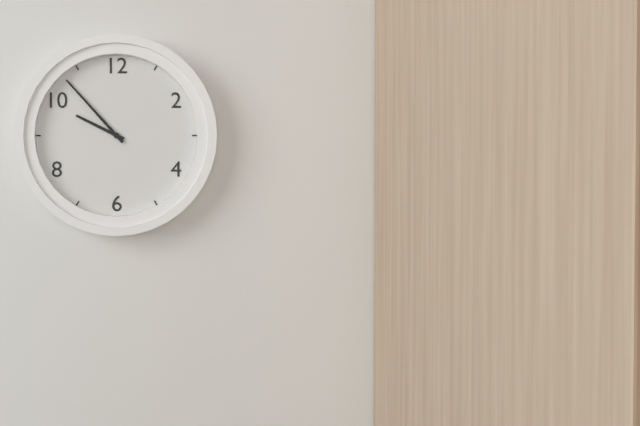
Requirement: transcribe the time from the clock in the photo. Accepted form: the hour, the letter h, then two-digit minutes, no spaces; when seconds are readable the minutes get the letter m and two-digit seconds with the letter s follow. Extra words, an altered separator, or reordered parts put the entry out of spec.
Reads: 9h53
